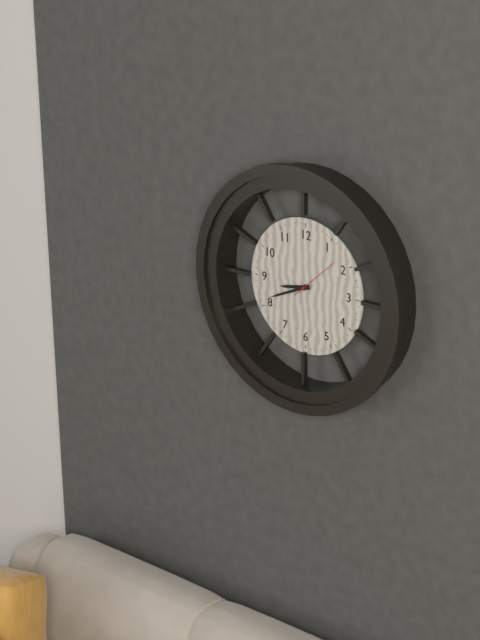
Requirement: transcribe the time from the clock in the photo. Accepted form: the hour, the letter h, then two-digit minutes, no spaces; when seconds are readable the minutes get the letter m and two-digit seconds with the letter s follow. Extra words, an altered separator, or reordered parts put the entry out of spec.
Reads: 8h41
